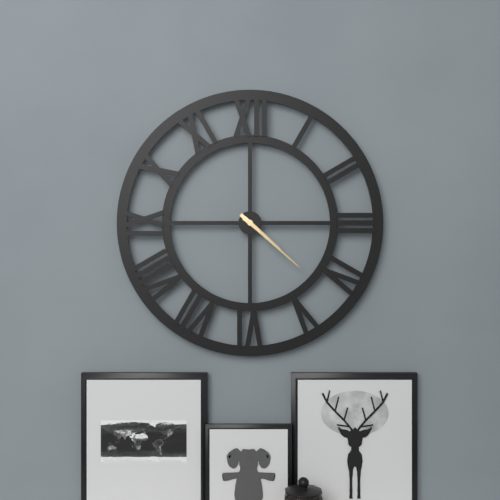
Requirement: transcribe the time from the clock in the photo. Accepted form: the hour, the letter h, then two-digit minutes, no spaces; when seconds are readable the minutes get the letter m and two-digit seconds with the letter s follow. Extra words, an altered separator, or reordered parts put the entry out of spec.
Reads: 4h22
